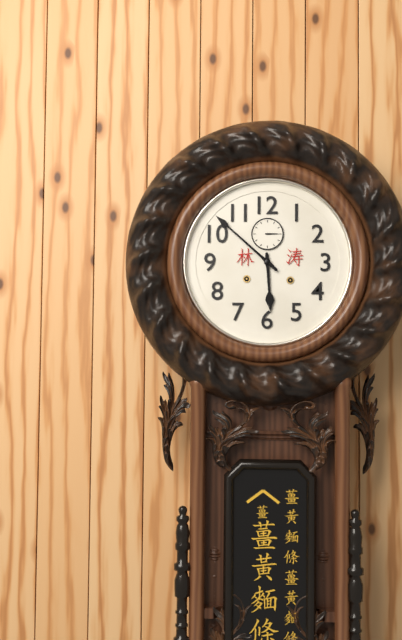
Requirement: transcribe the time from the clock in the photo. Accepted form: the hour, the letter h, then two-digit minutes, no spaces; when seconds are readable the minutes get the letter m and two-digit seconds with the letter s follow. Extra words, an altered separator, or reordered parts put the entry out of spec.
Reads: 5h52
